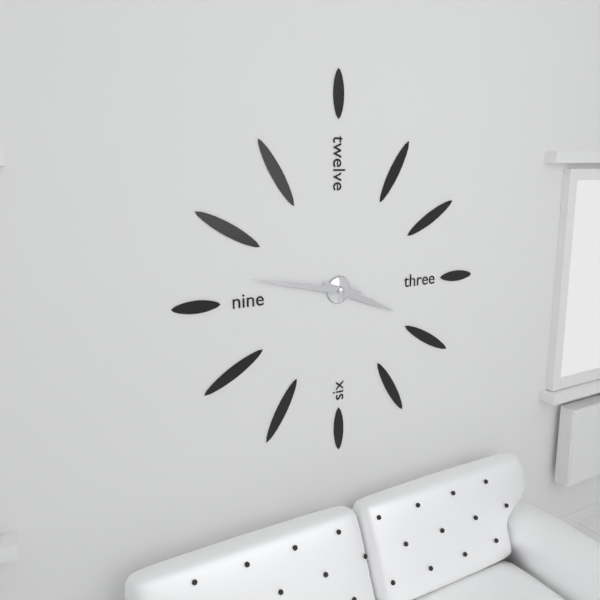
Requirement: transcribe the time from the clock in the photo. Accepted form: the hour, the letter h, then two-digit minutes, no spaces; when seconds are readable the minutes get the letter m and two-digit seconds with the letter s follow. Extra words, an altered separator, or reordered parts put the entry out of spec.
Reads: 3h47
